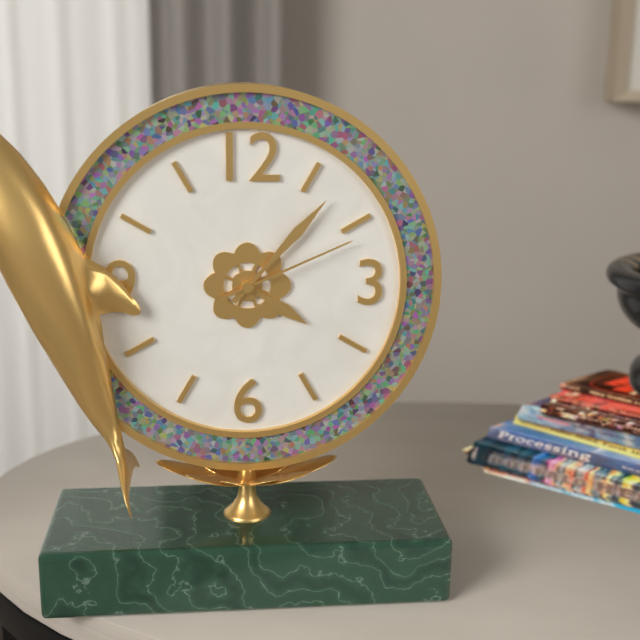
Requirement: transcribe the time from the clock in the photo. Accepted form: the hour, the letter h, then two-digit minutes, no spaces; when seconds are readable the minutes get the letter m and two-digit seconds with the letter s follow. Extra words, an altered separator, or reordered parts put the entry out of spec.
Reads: 4h07m11s
